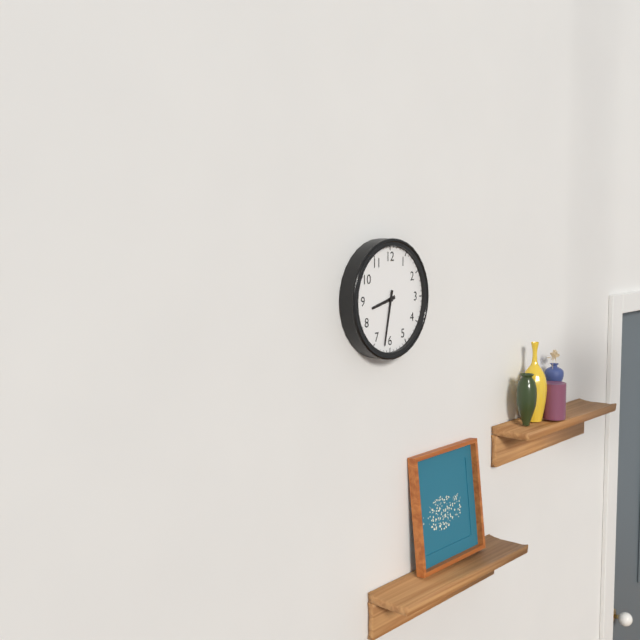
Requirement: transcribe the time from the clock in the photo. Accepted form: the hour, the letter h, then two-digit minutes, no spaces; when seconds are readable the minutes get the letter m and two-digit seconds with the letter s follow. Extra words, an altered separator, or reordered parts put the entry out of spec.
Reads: 8h32
